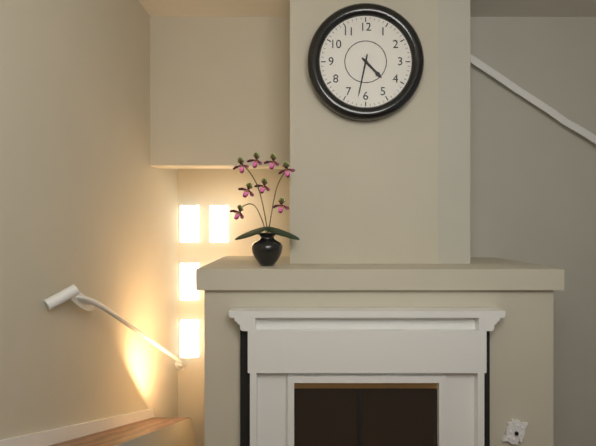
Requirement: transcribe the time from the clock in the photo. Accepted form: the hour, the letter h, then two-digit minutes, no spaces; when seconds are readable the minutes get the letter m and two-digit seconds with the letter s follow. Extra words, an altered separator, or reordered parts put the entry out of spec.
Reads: 4h32
